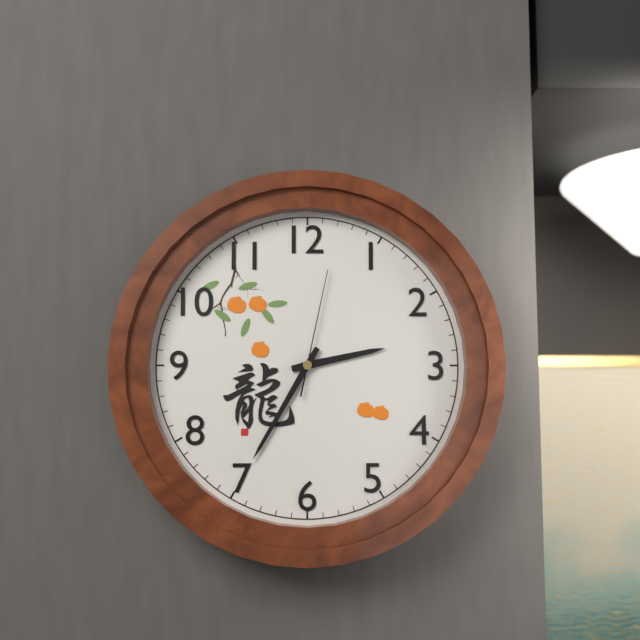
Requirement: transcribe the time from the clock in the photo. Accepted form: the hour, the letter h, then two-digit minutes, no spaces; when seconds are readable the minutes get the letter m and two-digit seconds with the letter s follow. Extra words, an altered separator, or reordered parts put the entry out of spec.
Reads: 2h35m02s
